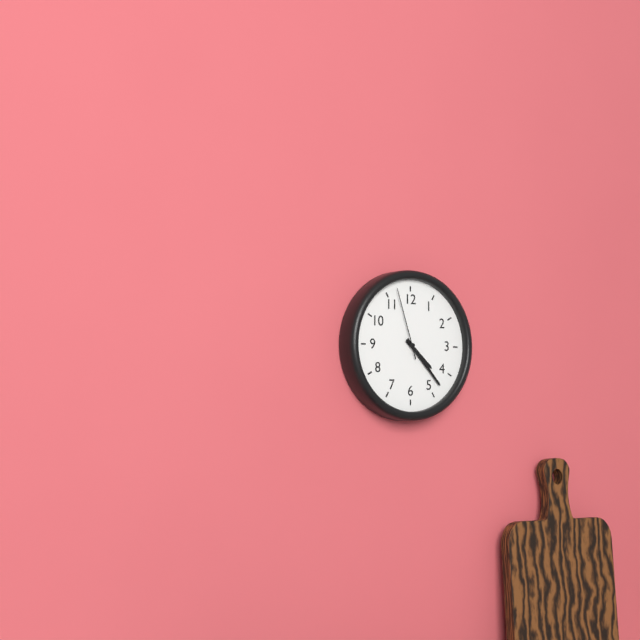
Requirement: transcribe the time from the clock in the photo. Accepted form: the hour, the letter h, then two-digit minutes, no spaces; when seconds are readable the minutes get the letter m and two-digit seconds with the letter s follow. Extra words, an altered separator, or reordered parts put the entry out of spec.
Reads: 4h23m57s
